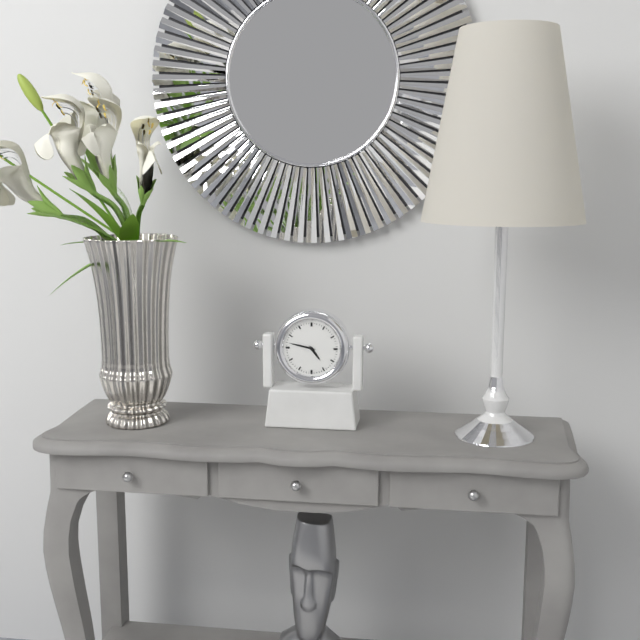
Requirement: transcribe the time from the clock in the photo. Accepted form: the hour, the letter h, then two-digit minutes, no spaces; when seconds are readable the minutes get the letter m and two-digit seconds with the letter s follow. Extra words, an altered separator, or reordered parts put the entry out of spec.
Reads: 4h47
